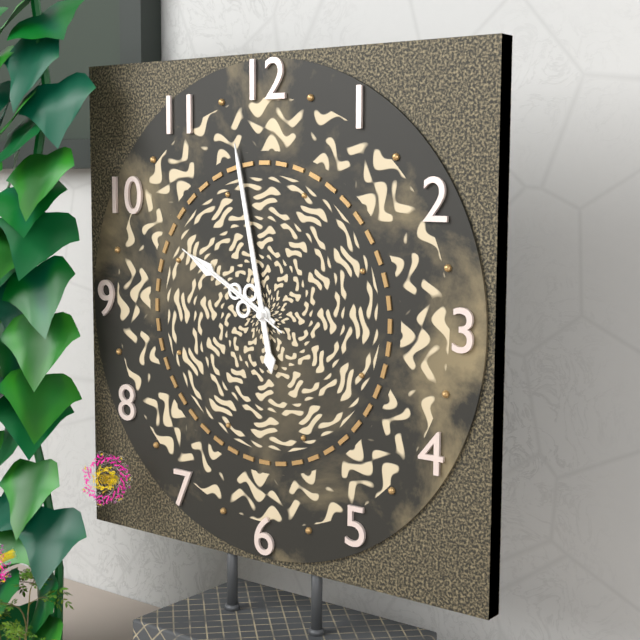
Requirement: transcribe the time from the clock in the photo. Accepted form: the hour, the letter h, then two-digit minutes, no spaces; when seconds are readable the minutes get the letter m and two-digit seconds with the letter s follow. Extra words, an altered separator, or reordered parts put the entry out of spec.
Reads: 9h58m50s
